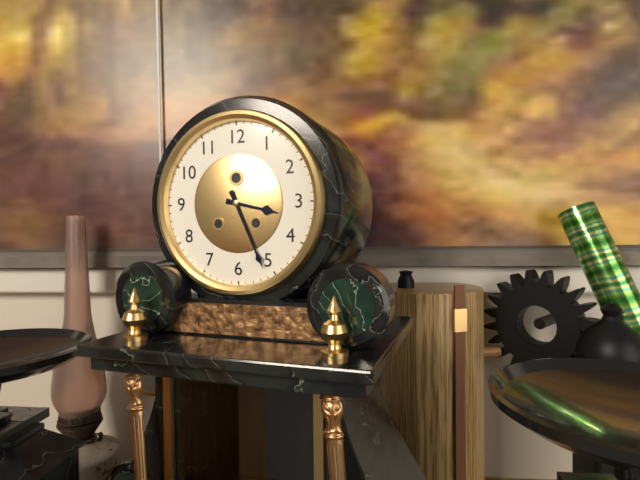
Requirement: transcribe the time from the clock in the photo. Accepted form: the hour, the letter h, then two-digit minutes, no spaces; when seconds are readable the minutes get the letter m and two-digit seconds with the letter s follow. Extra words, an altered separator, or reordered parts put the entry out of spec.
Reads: 3h26
